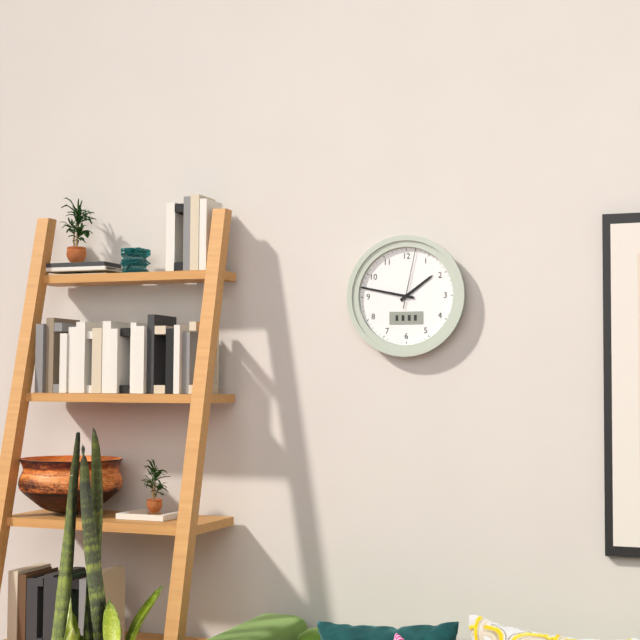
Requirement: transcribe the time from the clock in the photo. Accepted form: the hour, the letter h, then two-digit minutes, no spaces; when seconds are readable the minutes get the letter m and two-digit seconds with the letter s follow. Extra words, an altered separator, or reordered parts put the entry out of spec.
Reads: 1h47m02s
